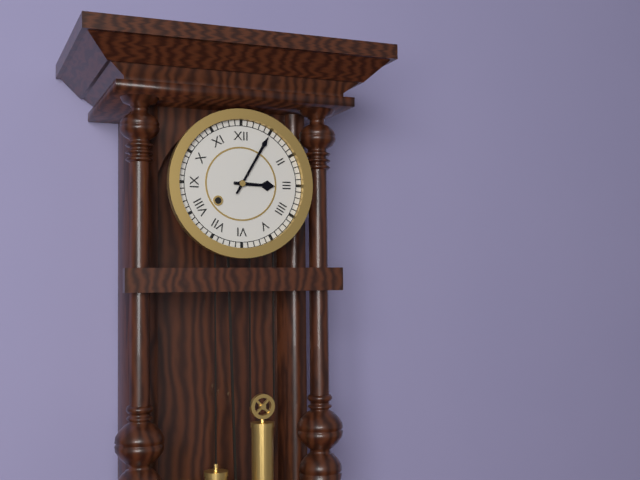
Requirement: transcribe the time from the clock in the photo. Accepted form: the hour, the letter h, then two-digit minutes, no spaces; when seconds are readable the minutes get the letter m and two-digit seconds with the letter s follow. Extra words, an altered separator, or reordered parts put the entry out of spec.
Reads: 3h05
